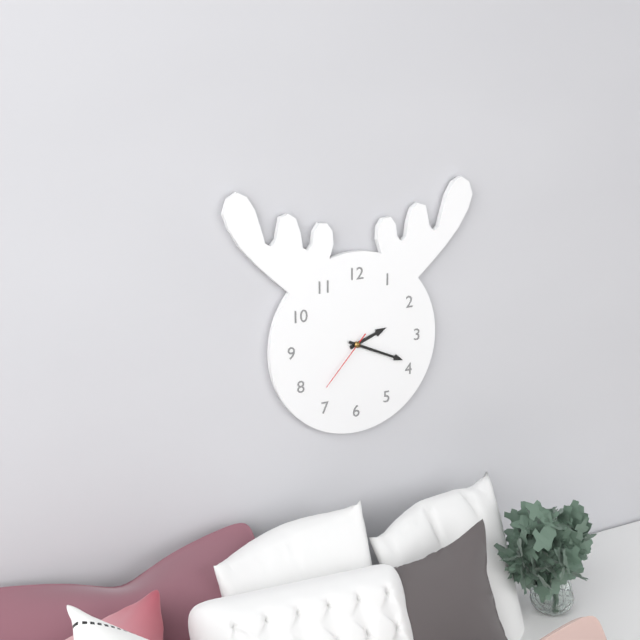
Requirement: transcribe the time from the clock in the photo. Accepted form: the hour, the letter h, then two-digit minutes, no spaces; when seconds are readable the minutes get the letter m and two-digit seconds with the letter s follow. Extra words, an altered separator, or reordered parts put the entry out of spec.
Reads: 2h19m37s
